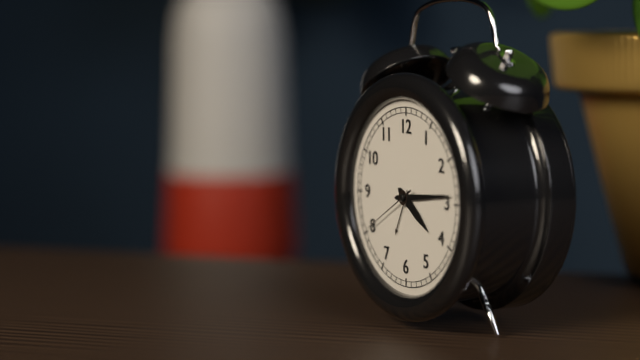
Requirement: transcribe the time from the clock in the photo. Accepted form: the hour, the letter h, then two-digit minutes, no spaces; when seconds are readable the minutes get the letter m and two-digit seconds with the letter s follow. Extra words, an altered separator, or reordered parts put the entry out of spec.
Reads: 4h14m40s
